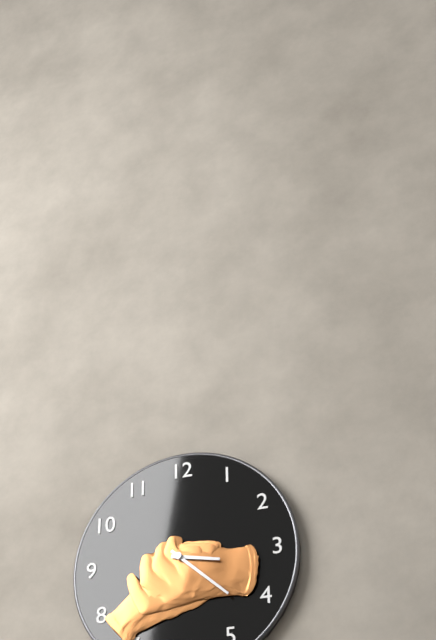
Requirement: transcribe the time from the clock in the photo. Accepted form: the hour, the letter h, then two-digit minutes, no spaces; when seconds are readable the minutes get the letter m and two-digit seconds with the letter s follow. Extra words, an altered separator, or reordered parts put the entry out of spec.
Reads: 3h22
